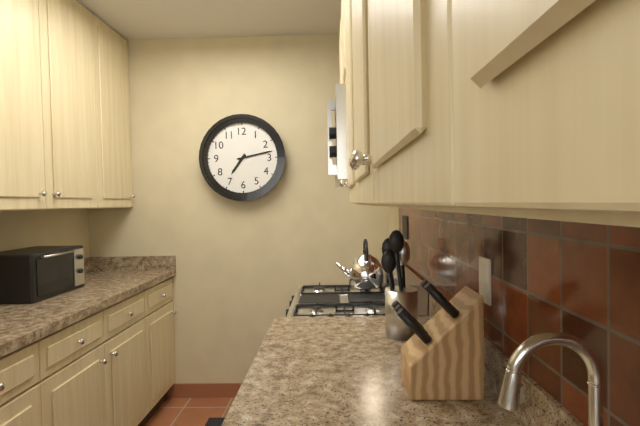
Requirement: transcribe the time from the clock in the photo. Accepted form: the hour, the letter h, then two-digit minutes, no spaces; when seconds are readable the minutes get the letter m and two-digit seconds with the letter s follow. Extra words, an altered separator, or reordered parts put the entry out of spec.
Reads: 7h13
